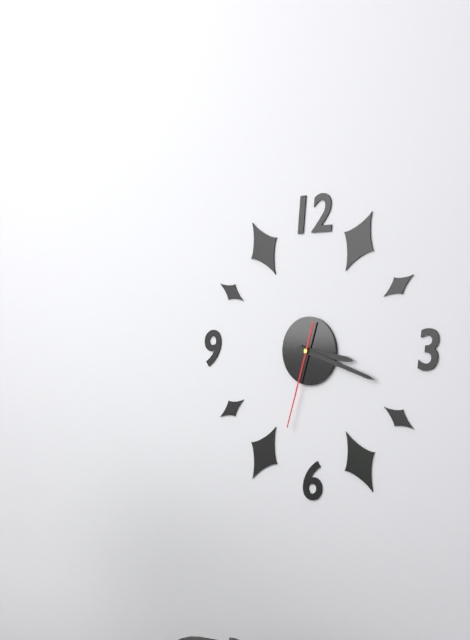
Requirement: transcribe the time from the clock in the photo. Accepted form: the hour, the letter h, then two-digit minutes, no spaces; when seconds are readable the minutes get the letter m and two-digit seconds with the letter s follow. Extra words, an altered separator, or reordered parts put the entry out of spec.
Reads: 3h18m33s
